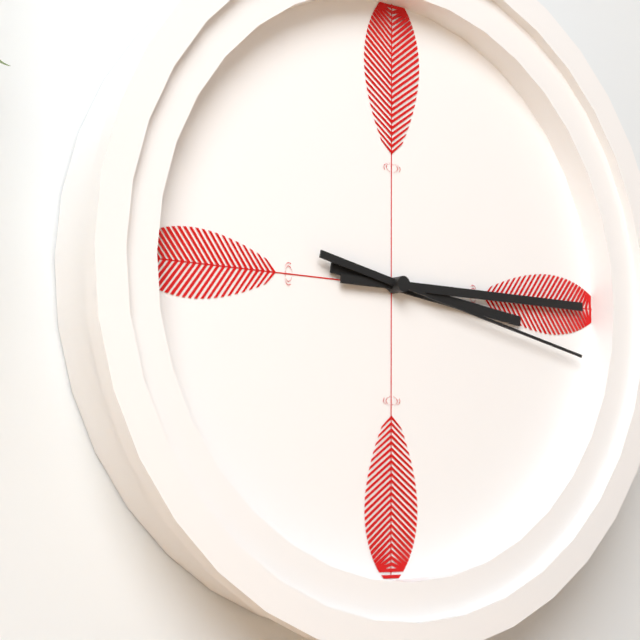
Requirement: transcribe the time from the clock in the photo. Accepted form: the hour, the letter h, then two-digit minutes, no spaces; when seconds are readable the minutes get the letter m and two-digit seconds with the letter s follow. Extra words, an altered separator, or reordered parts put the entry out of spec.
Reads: 3h15m17s
